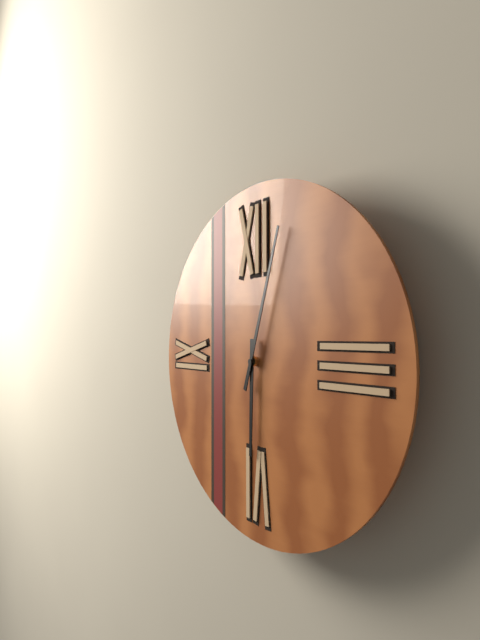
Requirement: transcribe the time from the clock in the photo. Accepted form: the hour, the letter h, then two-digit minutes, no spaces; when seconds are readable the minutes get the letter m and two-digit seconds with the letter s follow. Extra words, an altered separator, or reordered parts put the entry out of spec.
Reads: 6h03
